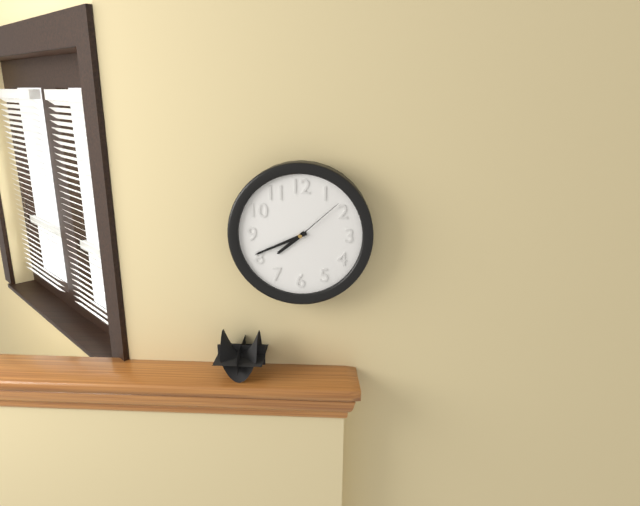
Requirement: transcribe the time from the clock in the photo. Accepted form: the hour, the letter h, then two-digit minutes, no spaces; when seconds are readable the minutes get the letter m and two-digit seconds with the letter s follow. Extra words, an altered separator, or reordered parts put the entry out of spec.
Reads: 7h41m08s
